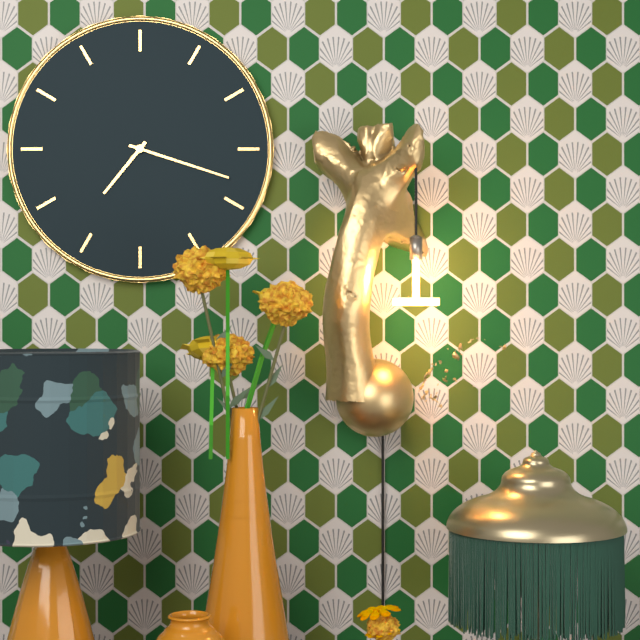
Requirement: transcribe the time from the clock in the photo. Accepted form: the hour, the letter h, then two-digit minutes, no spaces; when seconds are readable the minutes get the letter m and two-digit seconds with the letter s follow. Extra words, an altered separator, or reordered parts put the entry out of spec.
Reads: 7h18
